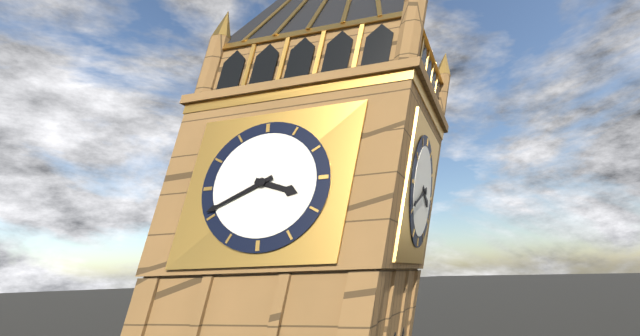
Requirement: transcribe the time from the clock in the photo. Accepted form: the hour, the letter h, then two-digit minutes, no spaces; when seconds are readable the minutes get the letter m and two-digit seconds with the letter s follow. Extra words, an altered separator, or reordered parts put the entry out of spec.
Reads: 3h41
